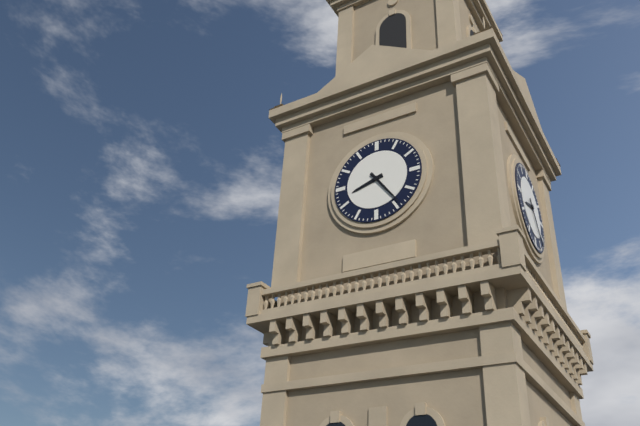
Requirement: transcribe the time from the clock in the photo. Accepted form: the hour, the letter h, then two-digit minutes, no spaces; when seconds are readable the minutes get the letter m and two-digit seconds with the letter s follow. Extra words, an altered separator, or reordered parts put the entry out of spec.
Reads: 8h24
